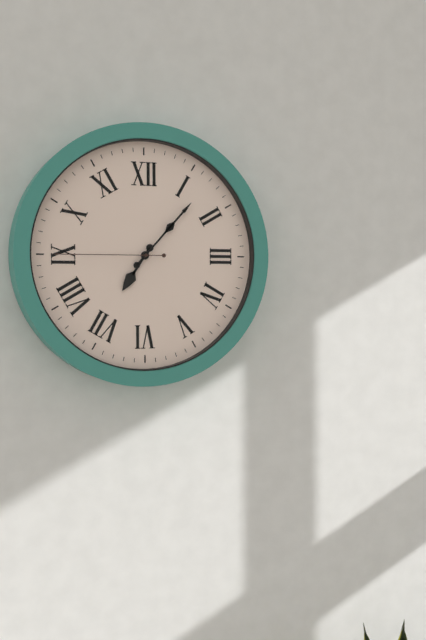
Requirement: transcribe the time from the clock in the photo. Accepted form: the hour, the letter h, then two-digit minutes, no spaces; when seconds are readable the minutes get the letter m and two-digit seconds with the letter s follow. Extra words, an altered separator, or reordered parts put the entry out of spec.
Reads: 7h07m45s
